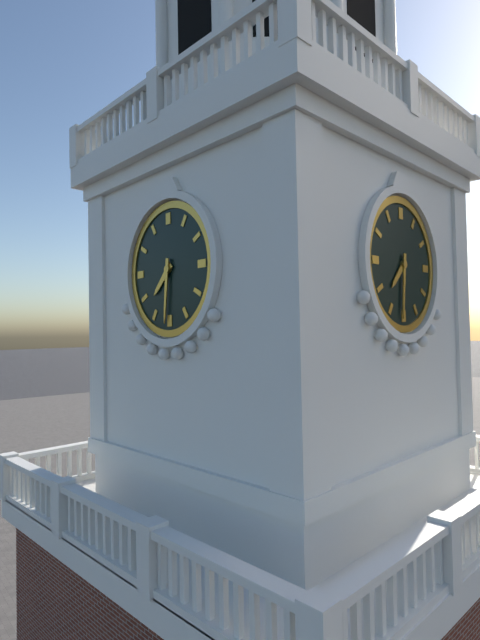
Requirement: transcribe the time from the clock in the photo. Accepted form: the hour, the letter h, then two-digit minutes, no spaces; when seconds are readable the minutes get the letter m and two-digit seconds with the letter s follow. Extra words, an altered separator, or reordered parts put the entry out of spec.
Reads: 7h31
